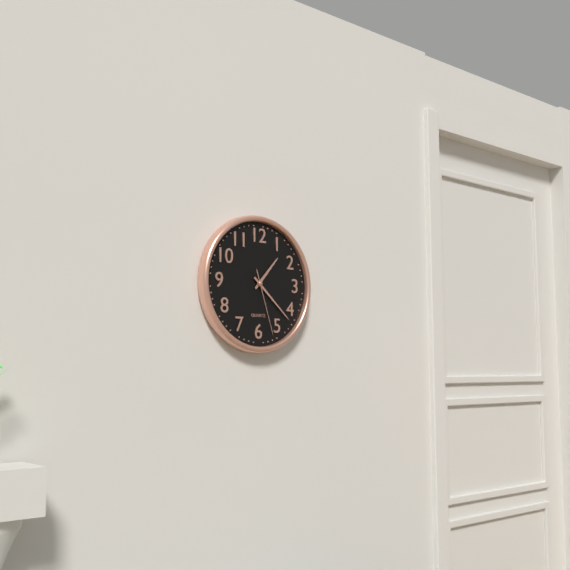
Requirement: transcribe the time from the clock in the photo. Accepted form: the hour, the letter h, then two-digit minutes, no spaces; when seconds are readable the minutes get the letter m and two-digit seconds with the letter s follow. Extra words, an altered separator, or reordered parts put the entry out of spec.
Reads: 1h22m27s
